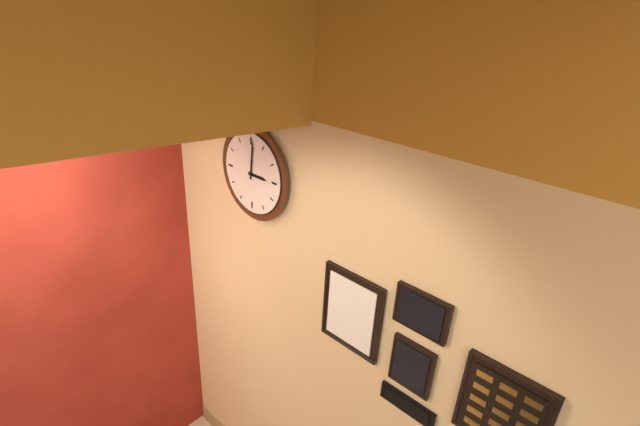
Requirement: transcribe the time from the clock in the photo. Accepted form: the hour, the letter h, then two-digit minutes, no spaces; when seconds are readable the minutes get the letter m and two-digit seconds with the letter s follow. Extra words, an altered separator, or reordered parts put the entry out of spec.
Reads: 3h01
